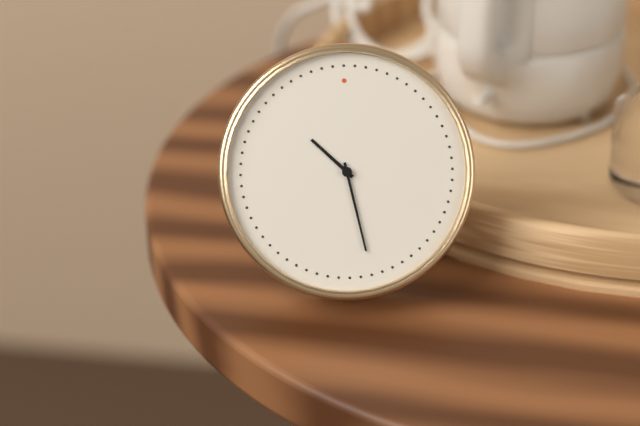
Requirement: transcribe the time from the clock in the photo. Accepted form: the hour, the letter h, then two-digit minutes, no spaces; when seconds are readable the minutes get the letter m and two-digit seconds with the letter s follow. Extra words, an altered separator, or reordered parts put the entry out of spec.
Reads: 10h28
